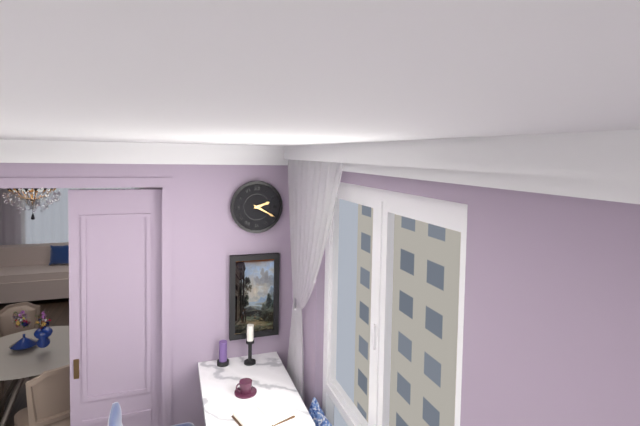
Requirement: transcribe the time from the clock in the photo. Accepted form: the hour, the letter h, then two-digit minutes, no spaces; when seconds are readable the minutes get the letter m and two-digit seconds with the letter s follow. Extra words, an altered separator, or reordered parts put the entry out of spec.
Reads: 2h20
